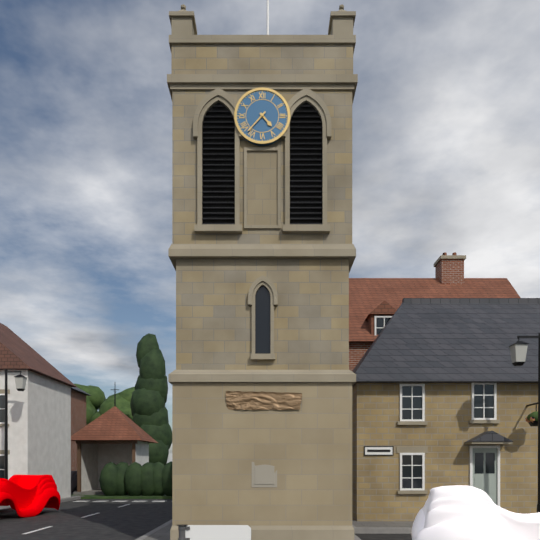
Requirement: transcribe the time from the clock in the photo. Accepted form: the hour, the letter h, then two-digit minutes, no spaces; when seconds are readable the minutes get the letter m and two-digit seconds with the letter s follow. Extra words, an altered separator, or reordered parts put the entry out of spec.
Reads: 4h37
